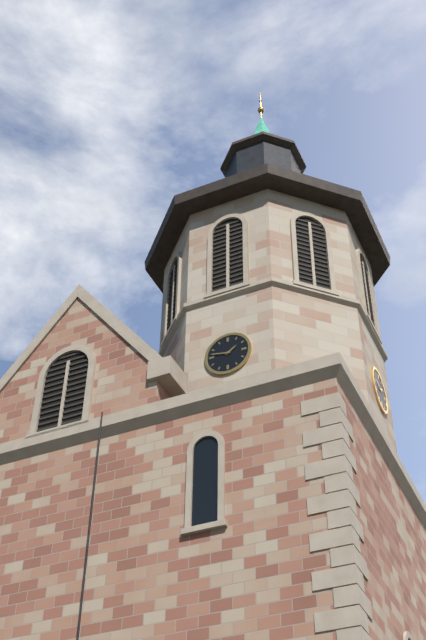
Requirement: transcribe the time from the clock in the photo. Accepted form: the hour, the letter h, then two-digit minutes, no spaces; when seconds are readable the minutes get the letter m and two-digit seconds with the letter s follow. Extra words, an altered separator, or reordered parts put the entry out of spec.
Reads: 1h47
